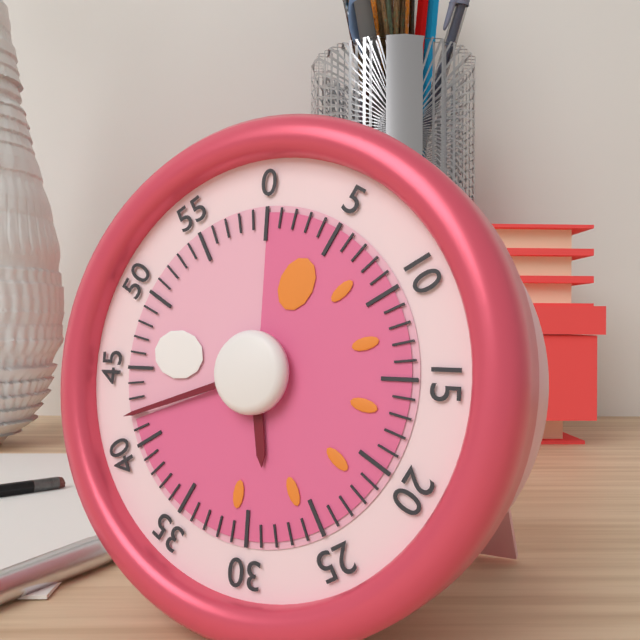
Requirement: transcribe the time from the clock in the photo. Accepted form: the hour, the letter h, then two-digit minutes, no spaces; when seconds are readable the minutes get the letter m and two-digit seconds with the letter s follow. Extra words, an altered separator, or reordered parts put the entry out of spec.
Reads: 5h42
